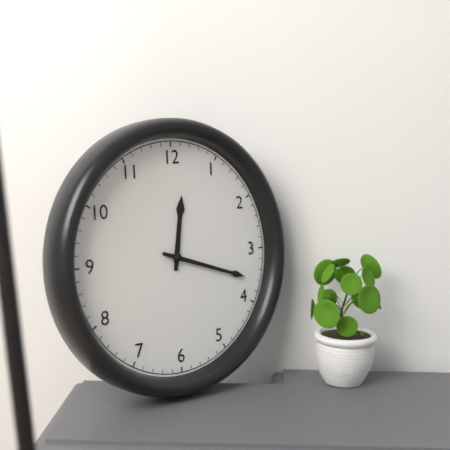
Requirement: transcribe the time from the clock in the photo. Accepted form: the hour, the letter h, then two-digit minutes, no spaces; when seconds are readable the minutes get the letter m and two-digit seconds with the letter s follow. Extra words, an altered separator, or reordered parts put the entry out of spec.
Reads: 12h18
